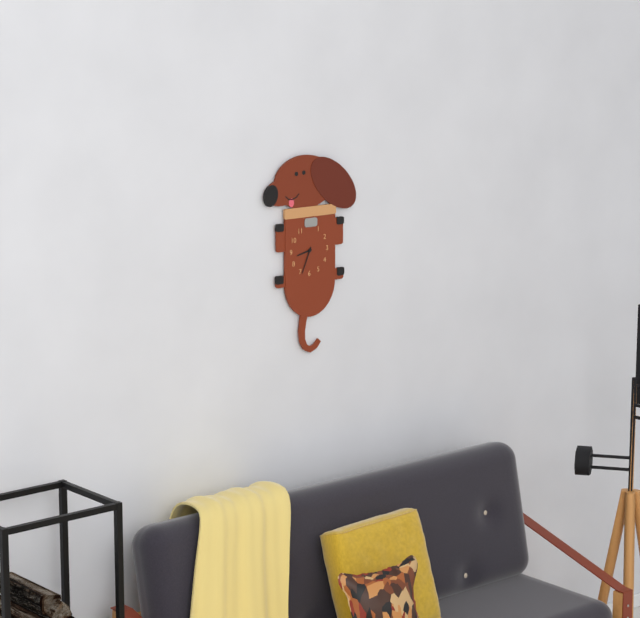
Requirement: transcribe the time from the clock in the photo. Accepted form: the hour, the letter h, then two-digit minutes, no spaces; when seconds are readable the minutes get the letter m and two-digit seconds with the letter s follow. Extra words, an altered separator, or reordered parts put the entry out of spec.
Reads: 8h34
